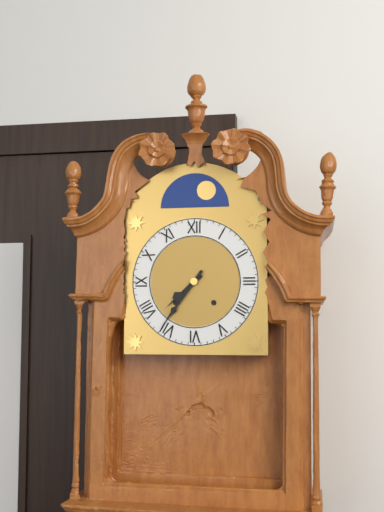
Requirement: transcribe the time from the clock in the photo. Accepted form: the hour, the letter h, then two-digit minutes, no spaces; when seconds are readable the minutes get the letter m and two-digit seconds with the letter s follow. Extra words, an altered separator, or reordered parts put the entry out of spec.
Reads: 7h36
